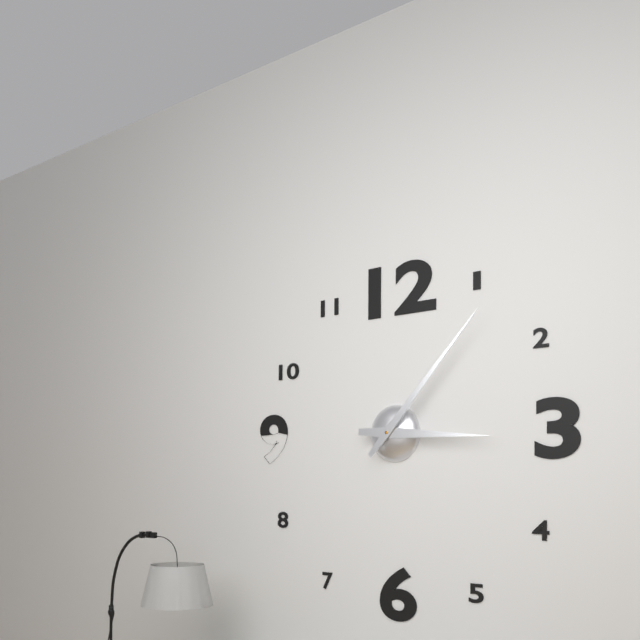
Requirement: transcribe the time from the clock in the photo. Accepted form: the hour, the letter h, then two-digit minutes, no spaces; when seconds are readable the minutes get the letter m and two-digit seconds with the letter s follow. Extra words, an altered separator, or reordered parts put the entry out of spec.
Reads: 3h07
